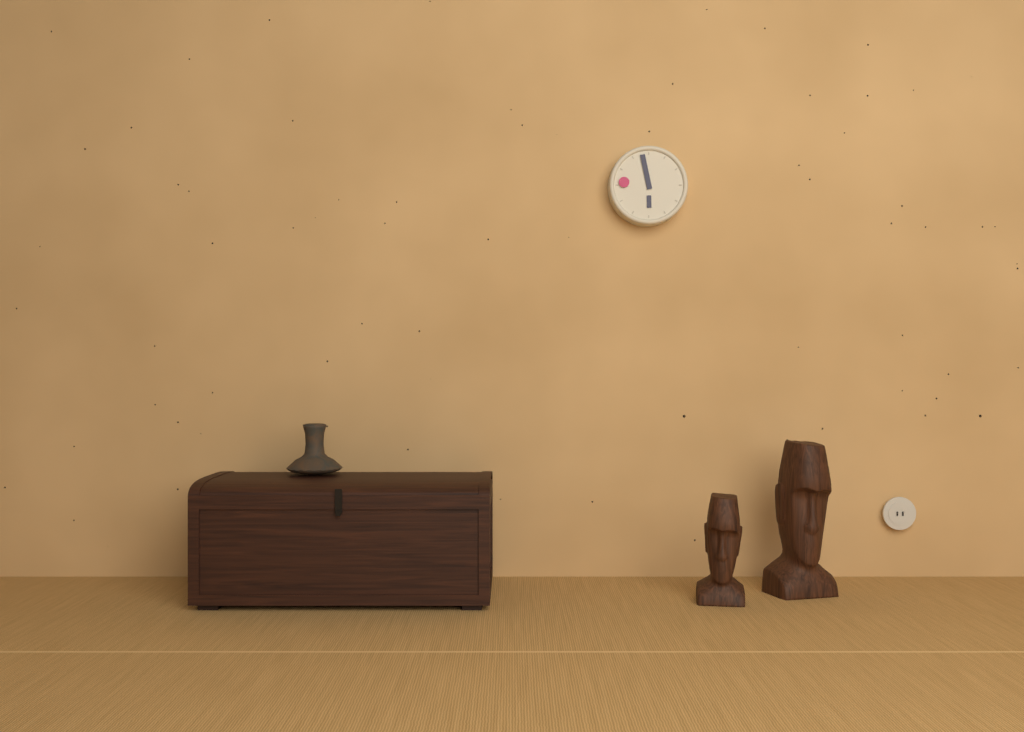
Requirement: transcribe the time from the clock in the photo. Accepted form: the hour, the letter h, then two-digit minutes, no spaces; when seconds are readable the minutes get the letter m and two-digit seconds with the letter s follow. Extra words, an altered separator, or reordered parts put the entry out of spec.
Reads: 5h58
